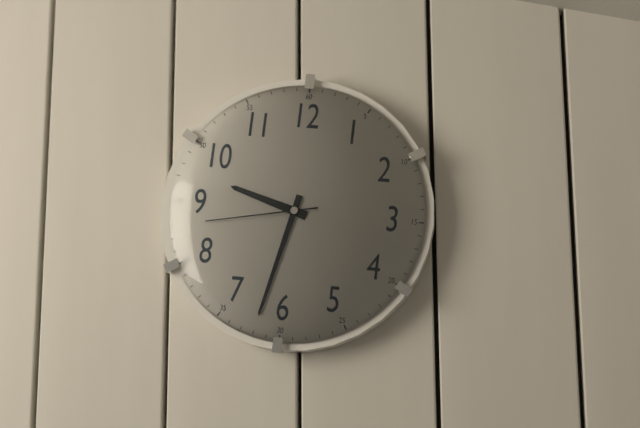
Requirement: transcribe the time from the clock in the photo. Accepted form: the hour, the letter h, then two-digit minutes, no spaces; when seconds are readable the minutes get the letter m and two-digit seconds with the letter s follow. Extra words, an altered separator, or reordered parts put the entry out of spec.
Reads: 9h32m43s
